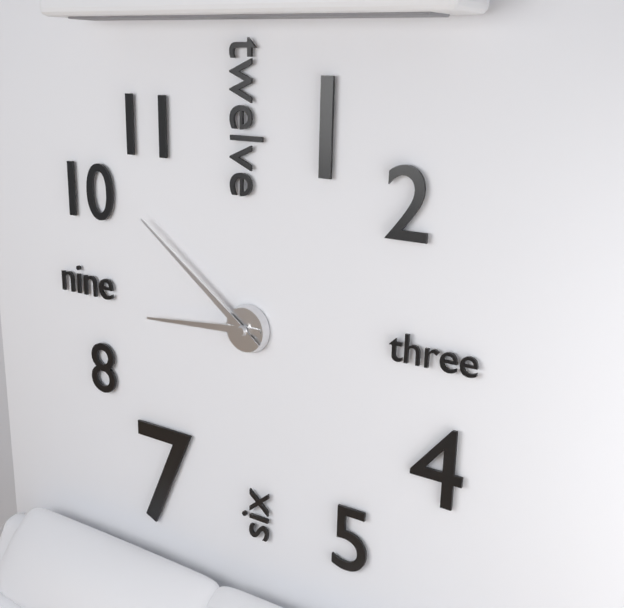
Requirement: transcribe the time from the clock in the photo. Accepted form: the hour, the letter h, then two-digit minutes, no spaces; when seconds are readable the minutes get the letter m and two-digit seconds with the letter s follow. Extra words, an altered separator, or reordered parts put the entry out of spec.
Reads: 8h51
